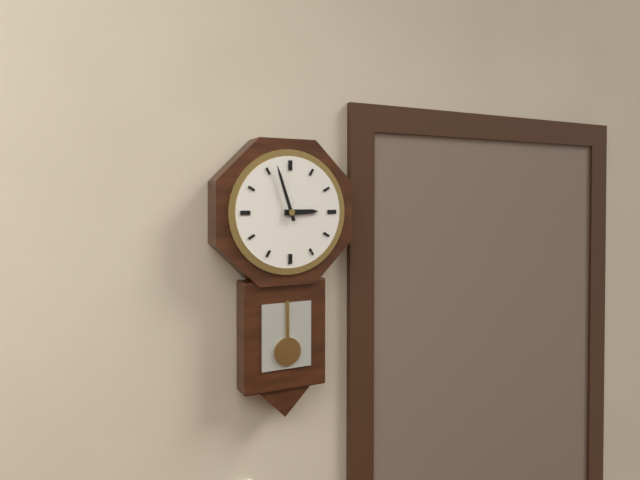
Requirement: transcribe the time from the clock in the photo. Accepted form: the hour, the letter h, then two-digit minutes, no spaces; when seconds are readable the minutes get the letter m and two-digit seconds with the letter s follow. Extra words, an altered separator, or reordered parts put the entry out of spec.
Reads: 2h57
